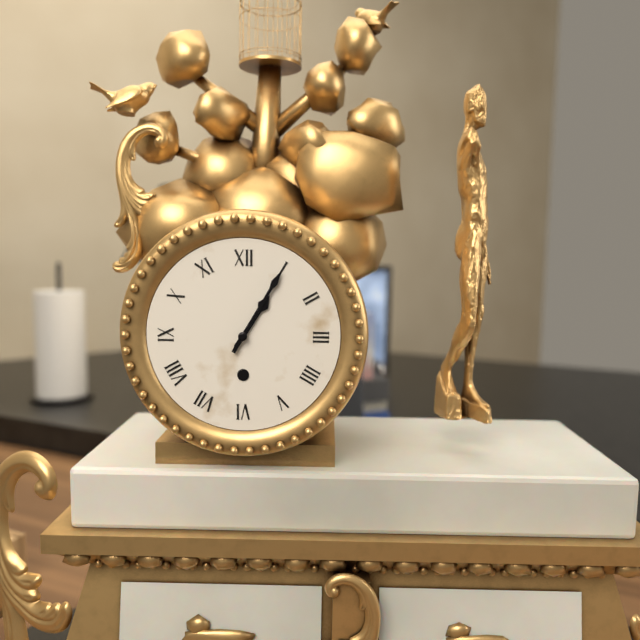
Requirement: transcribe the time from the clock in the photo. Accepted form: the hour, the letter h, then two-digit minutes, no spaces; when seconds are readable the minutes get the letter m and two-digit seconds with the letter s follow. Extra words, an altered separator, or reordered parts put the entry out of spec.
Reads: 1h05
